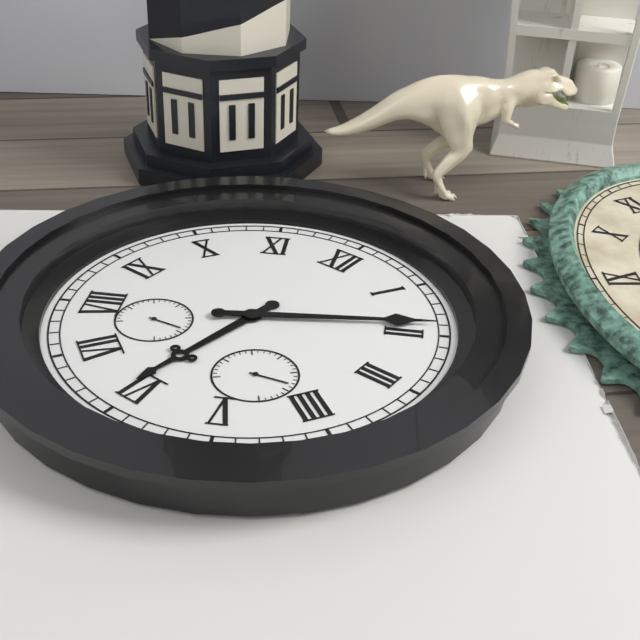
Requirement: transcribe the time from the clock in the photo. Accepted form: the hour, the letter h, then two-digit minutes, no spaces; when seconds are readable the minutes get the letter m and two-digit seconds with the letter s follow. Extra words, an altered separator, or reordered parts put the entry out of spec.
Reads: 6h09
